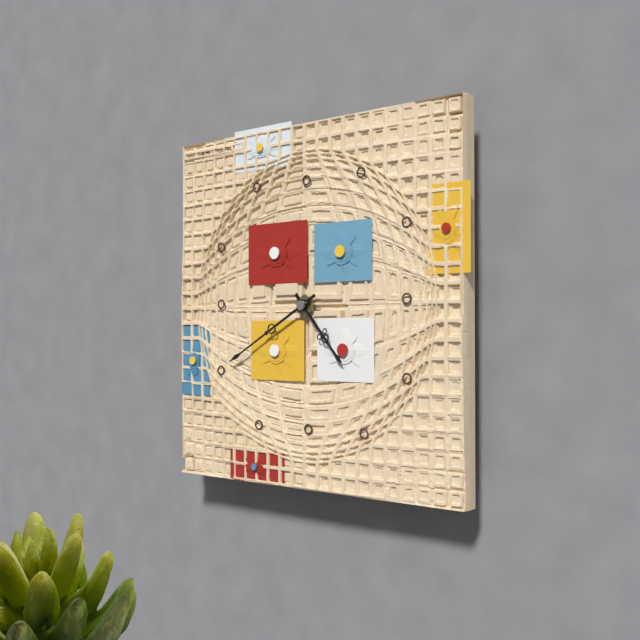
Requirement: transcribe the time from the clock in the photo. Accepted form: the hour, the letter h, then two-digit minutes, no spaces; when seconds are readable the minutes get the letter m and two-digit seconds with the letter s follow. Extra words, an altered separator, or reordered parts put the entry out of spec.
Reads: 4h40
